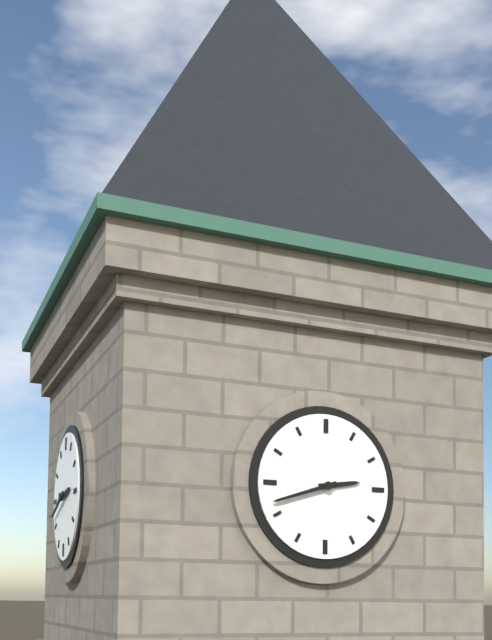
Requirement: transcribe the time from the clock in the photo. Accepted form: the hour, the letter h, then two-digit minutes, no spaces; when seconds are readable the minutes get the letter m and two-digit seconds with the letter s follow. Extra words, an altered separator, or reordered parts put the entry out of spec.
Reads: 2h42
